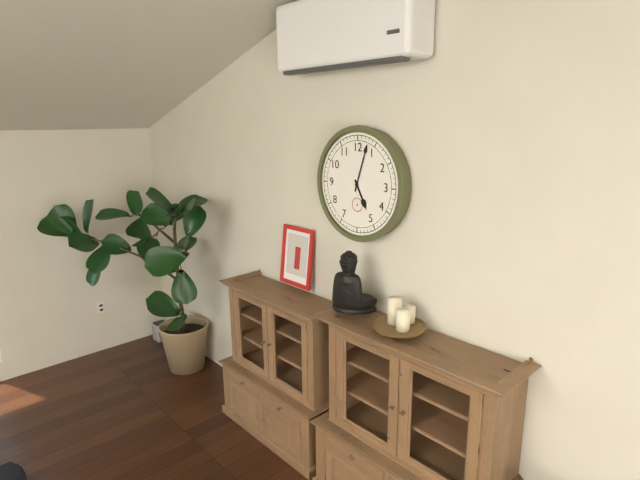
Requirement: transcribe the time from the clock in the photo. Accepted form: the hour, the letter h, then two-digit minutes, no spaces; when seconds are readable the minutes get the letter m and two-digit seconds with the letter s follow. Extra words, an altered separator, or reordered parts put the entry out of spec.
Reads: 5h03
